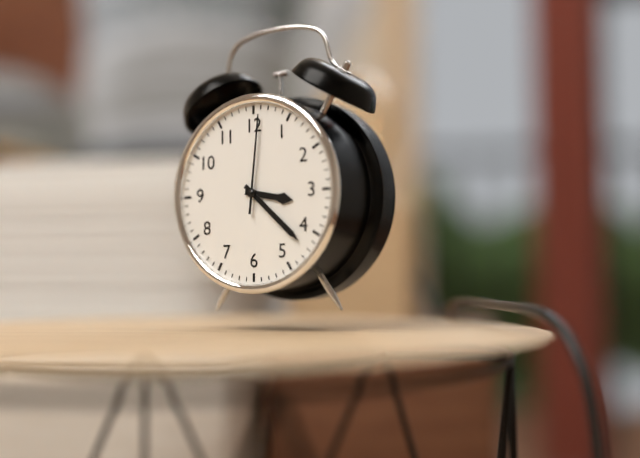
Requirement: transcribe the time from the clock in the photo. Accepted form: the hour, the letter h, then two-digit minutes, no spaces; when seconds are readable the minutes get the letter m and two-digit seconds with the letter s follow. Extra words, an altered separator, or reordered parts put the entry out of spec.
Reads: 3h22m01s
